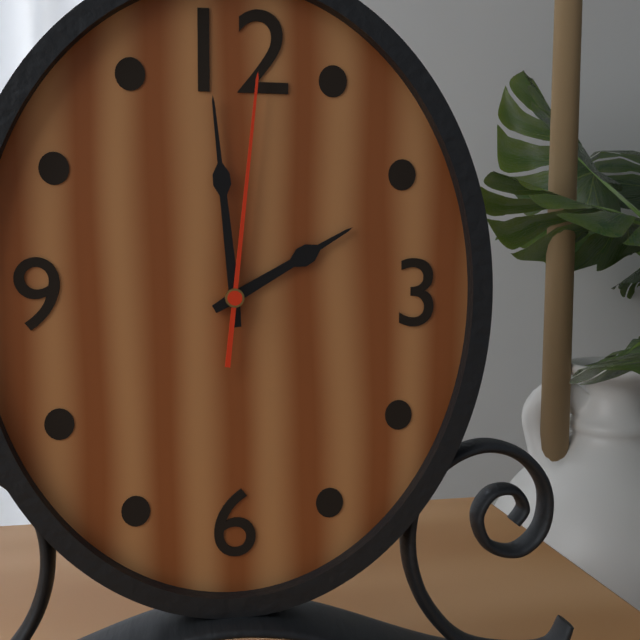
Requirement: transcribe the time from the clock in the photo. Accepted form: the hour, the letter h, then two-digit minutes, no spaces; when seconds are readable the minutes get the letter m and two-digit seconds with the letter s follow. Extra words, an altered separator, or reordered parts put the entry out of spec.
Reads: 1h59m01s
